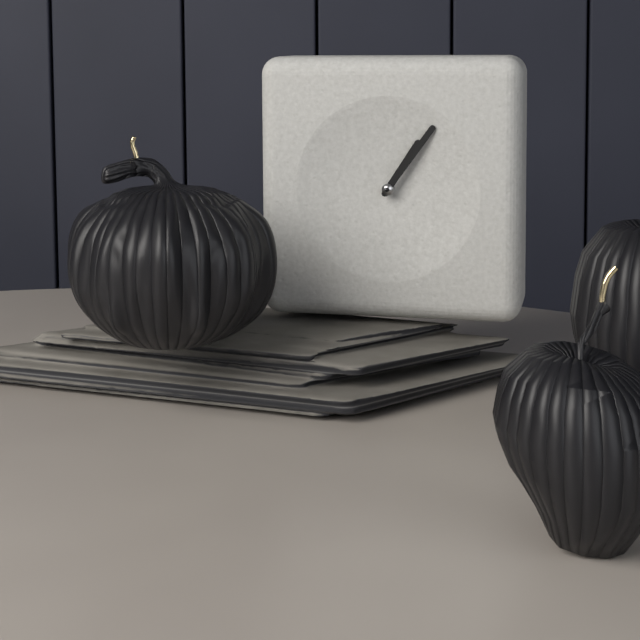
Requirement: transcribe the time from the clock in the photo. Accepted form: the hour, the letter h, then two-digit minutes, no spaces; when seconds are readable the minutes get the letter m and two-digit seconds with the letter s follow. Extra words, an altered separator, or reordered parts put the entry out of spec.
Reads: 1h06
